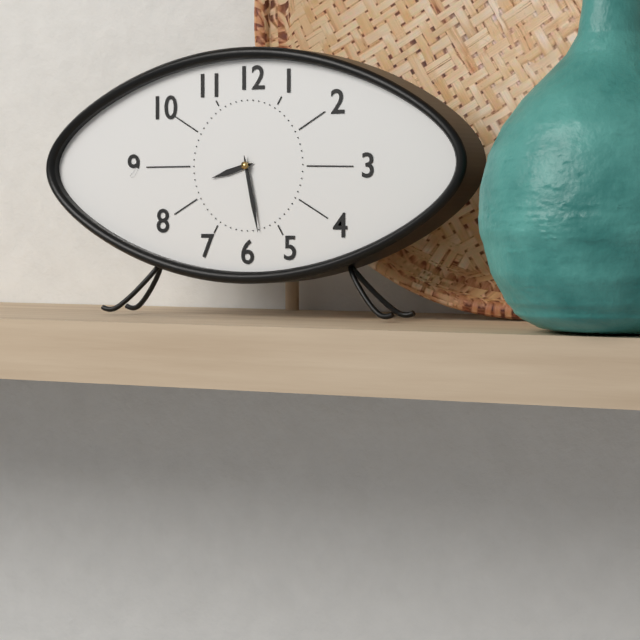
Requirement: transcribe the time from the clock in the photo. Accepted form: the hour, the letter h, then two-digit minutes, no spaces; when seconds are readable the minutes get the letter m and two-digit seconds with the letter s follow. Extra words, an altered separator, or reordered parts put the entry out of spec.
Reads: 8h28
